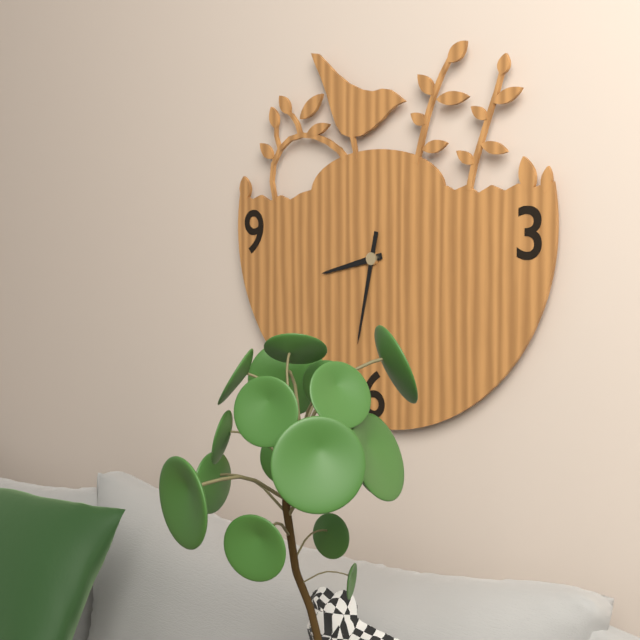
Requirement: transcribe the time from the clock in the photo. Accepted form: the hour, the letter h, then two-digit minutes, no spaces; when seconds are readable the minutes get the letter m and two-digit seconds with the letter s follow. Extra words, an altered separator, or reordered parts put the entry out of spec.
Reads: 8h32
